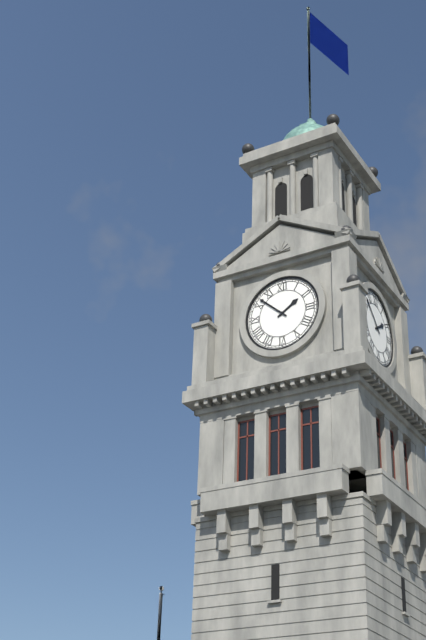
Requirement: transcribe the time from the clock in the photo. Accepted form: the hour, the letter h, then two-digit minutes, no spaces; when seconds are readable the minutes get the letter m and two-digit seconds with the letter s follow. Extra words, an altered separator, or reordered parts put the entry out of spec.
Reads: 1h52
